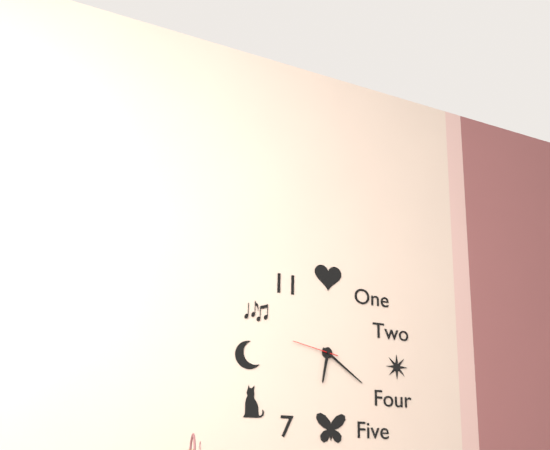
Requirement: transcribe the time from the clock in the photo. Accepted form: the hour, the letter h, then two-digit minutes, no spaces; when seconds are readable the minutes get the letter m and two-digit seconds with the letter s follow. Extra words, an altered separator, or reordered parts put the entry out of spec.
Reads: 6h21
